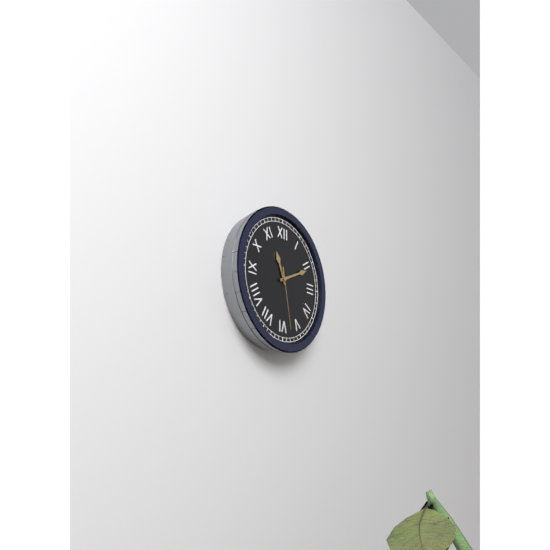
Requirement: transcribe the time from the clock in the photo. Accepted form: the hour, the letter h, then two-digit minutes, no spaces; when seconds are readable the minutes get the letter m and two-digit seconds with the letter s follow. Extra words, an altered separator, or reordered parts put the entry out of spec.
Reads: 11h11m28s
